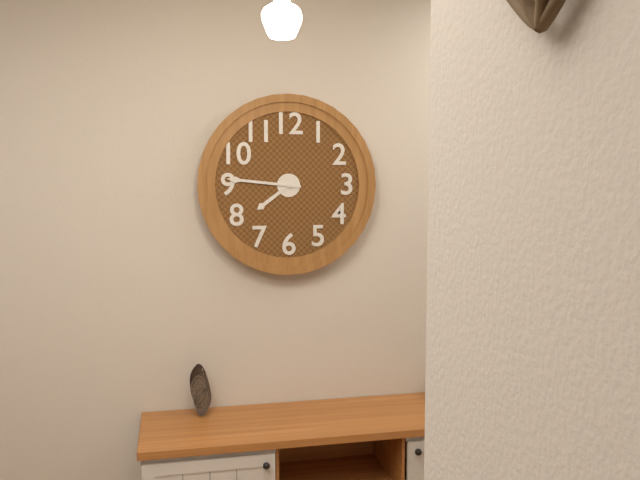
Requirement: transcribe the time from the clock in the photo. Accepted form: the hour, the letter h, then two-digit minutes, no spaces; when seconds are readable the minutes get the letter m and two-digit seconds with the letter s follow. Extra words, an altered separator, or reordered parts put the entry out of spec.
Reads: 7h46
